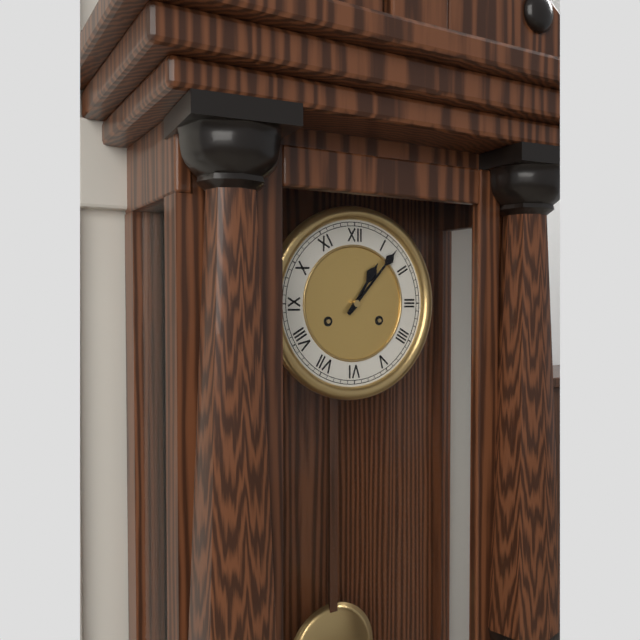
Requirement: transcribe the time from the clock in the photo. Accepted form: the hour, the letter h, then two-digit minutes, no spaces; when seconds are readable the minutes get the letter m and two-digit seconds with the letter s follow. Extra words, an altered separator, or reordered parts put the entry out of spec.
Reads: 1h07
